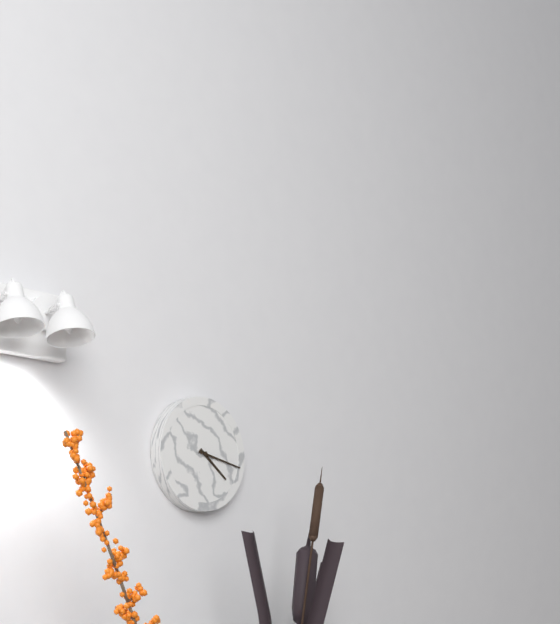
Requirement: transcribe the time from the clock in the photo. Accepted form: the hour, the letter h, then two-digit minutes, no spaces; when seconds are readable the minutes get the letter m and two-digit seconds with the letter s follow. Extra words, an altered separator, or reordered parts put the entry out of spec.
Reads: 4h17
